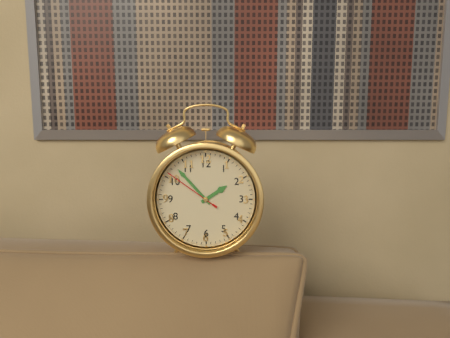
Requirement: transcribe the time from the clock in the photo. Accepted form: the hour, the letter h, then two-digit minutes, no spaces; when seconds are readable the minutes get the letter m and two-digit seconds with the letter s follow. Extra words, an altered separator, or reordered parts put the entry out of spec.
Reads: 1h53m51s
